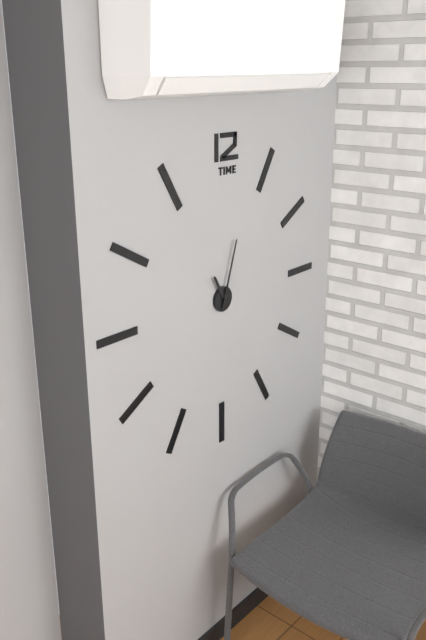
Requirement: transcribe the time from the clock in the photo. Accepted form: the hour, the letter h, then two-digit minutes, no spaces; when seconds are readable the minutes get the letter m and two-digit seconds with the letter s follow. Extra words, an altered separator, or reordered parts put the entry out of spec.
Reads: 11h03
